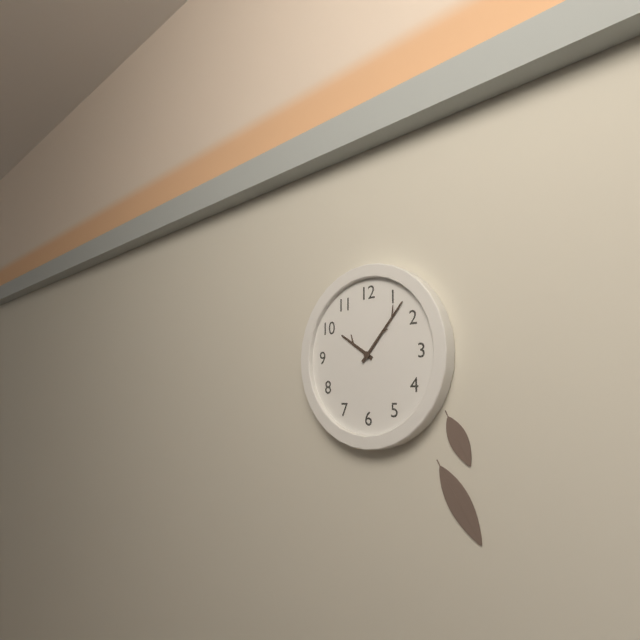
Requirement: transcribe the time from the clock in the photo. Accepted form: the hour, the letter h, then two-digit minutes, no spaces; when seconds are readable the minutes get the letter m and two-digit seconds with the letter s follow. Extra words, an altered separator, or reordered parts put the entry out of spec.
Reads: 10h07
